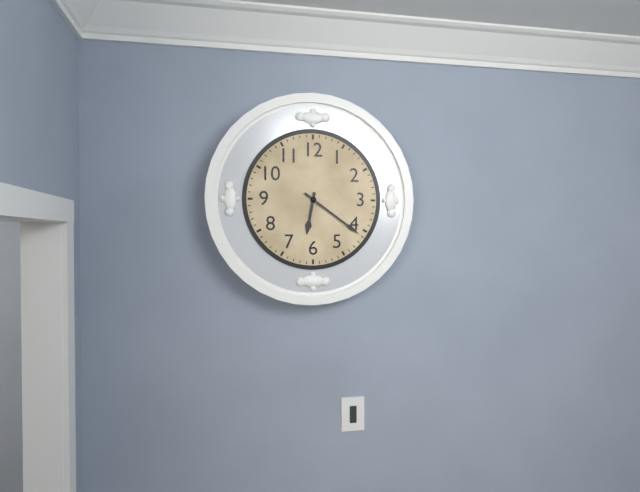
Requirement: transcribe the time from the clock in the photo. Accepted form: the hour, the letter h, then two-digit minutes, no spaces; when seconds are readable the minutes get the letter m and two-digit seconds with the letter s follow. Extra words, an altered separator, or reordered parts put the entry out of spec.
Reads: 6h21
